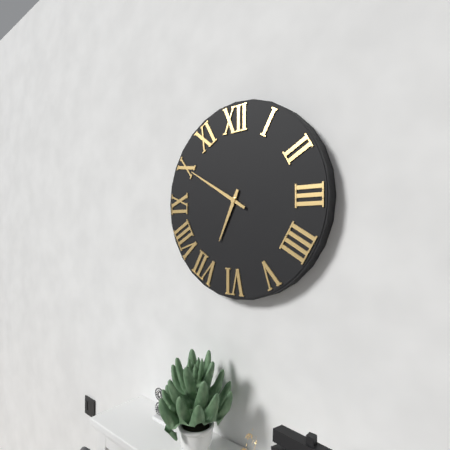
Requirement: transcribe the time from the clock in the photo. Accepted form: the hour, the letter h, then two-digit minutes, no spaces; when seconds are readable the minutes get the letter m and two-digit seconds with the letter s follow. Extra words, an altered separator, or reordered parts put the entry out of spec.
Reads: 6h50
